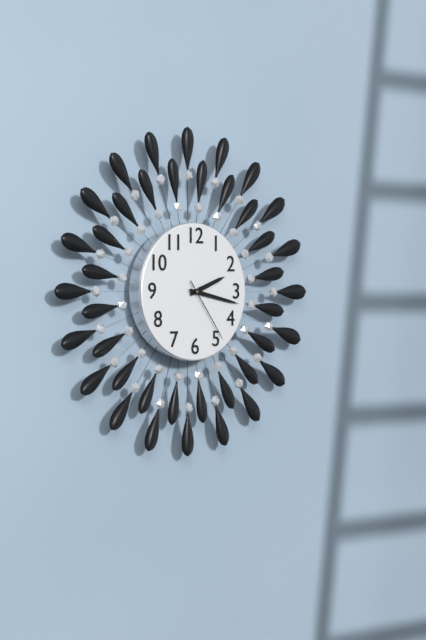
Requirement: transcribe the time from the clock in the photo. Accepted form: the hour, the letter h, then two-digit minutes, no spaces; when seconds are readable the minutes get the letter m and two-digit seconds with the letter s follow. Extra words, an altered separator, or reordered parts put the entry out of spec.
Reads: 2h17m24s
